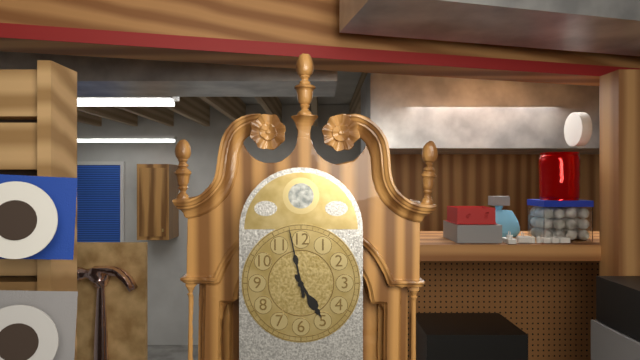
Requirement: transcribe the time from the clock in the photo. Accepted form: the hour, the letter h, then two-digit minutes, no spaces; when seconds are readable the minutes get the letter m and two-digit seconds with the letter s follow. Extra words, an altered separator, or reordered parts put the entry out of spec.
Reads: 4h58
